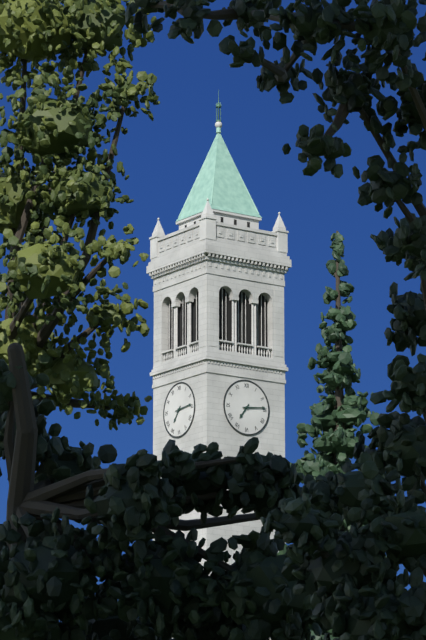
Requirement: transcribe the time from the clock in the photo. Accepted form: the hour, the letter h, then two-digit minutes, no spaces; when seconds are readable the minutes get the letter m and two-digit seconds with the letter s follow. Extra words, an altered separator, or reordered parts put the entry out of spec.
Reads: 7h14
